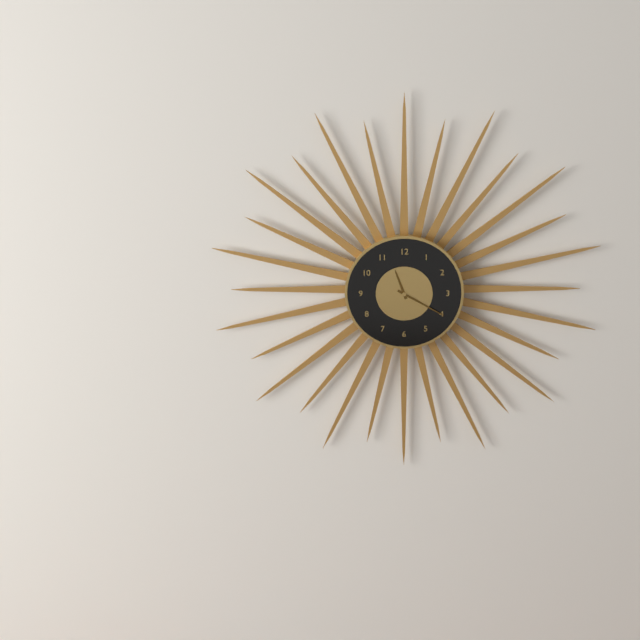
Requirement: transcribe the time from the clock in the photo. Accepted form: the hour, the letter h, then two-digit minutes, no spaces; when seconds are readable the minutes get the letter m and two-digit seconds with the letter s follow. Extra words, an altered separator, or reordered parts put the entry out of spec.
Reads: 11h20
